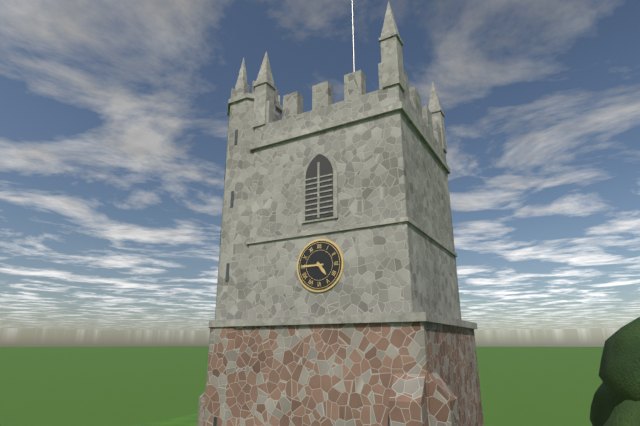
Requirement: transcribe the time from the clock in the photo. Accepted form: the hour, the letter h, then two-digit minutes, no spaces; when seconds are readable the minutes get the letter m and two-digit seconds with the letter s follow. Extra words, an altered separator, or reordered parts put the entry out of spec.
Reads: 4h45
